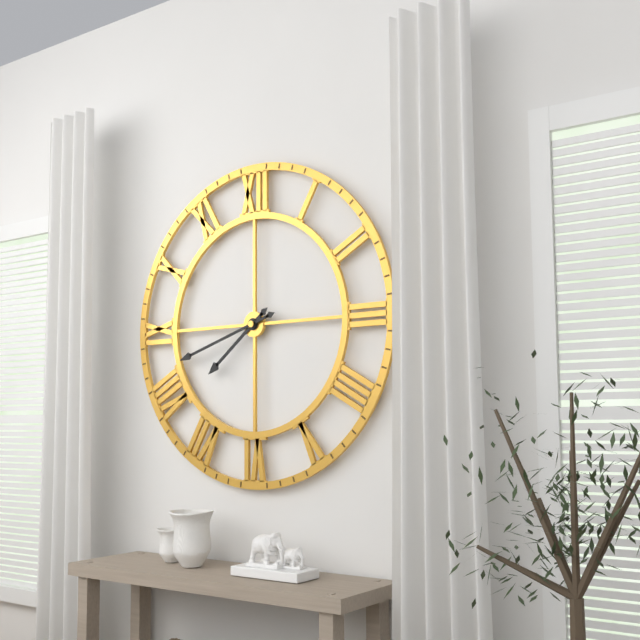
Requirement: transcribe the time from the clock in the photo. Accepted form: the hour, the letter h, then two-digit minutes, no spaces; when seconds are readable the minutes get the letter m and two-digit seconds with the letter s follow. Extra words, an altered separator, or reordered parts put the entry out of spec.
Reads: 7h42
